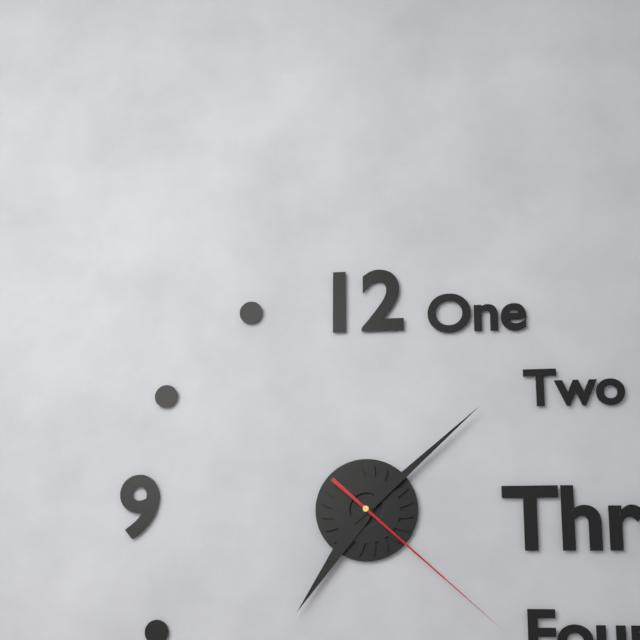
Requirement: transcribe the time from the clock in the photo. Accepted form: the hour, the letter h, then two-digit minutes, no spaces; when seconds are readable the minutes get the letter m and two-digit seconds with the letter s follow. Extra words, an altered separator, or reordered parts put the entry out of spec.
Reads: 7h08m22s
